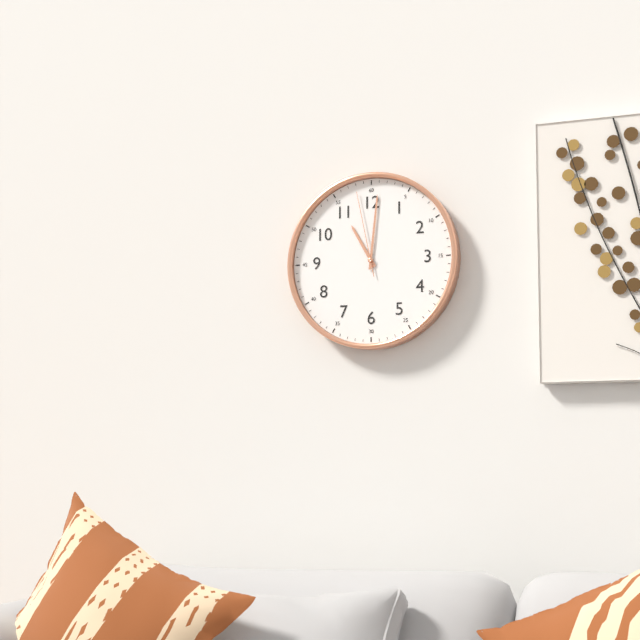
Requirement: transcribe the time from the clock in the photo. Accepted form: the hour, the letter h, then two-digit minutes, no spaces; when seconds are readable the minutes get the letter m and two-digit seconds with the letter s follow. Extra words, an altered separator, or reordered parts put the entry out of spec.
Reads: 11h01m58s
